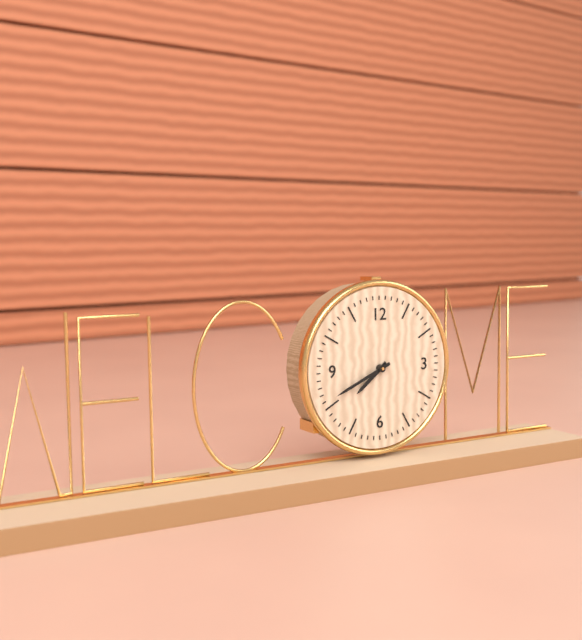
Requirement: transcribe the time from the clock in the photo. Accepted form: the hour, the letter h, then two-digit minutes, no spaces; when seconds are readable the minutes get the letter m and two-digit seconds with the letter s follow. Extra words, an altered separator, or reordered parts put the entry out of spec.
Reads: 7h41
